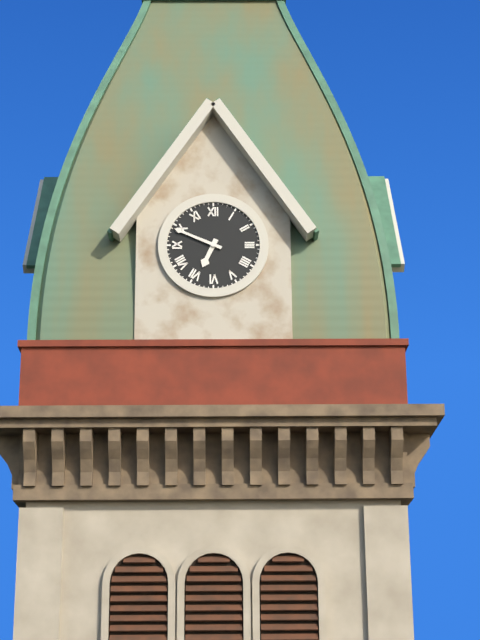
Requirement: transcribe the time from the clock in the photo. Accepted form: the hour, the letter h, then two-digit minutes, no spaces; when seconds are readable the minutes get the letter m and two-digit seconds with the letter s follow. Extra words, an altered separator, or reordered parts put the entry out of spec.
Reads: 6h49
